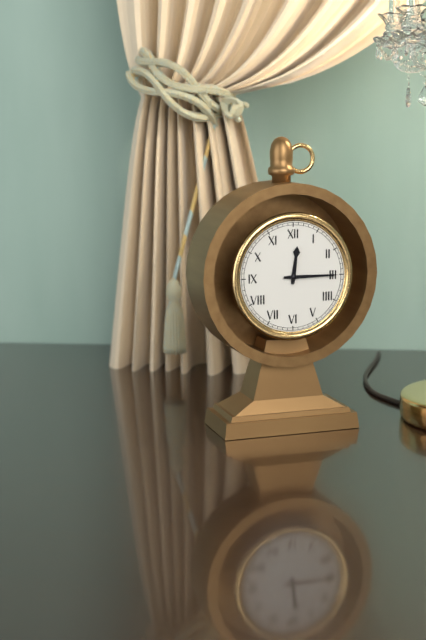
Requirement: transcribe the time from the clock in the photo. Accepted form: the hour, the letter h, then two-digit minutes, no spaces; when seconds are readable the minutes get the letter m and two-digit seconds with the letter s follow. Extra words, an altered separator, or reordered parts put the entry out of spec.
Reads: 12h15
